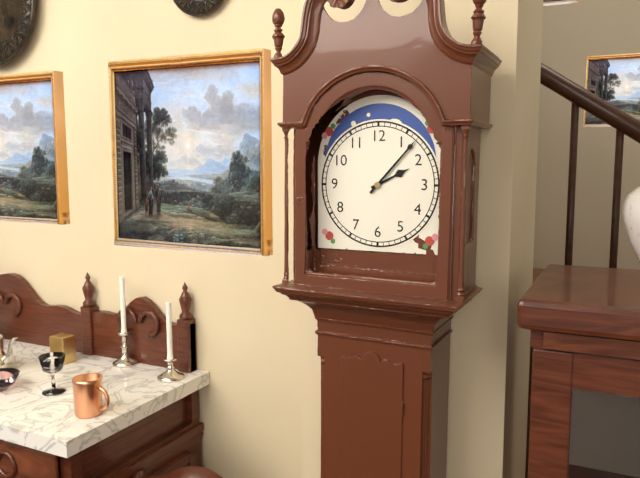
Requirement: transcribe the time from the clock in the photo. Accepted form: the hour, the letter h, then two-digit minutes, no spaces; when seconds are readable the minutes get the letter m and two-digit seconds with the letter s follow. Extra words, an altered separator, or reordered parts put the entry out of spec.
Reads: 2h07
